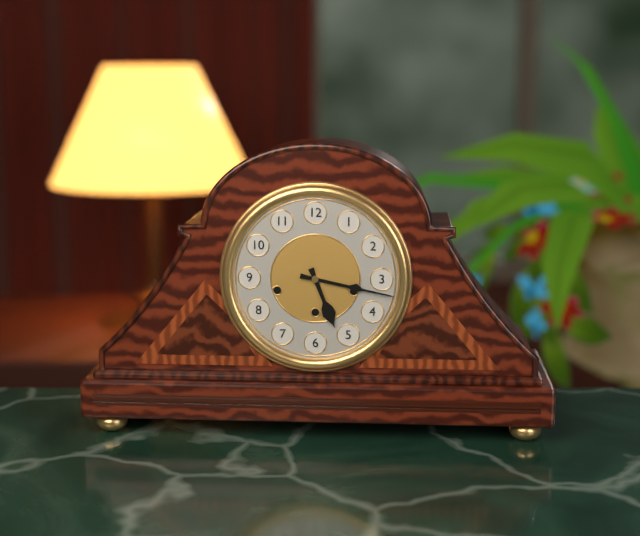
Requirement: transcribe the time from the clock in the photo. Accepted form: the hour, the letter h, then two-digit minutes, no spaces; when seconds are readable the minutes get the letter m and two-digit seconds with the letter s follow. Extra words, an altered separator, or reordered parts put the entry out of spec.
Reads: 5h17
